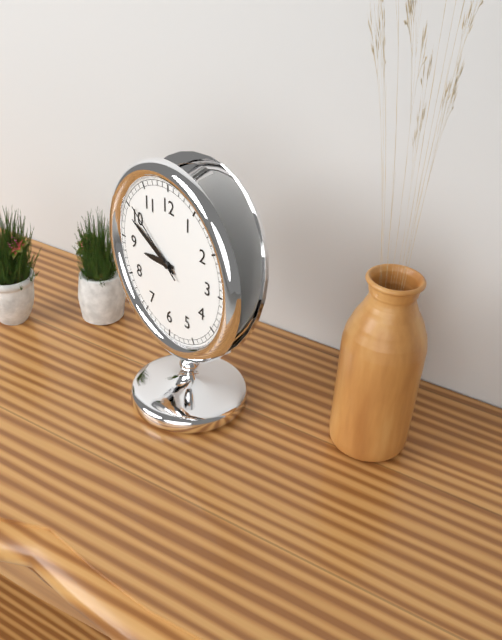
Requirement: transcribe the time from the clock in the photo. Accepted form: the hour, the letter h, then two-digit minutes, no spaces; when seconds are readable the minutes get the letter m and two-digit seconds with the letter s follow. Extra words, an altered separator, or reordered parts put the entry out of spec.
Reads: 8h49m51s
